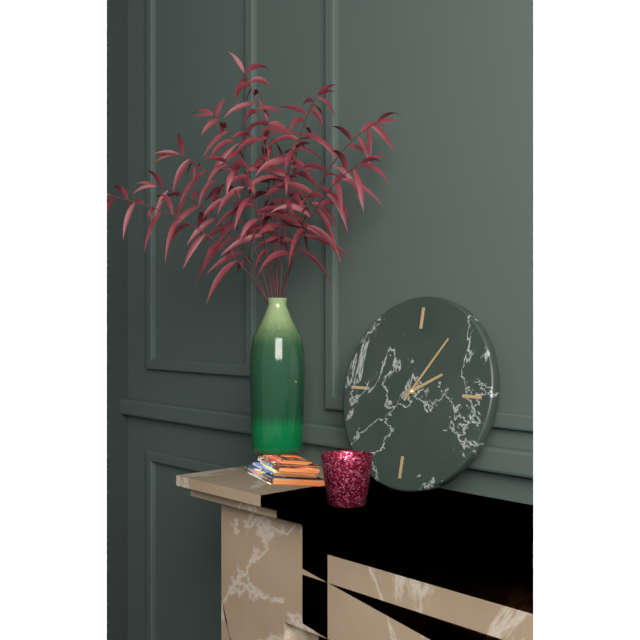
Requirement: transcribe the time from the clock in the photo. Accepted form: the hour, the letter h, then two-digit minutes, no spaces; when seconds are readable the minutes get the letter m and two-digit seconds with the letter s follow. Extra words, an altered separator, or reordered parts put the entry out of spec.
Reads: 2h06
